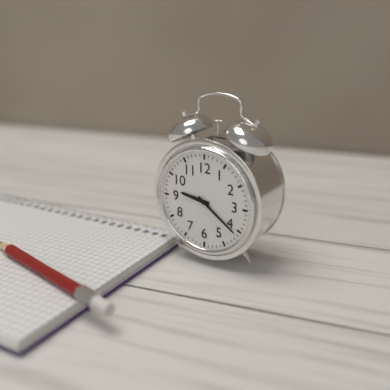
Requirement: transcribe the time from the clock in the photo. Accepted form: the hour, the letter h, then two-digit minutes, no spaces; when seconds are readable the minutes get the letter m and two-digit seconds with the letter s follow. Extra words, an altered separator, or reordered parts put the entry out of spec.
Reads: 9h21
